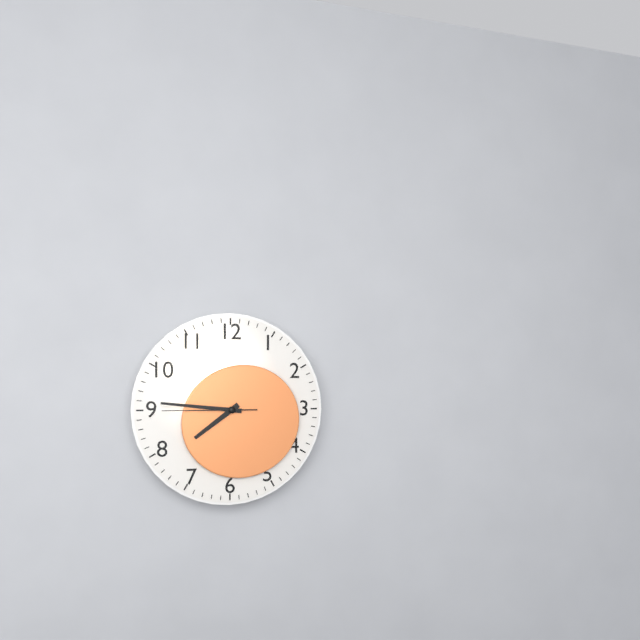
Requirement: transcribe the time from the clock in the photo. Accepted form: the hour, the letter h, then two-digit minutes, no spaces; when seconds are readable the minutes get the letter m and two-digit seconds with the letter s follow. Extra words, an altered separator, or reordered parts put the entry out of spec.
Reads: 7h46m45s
